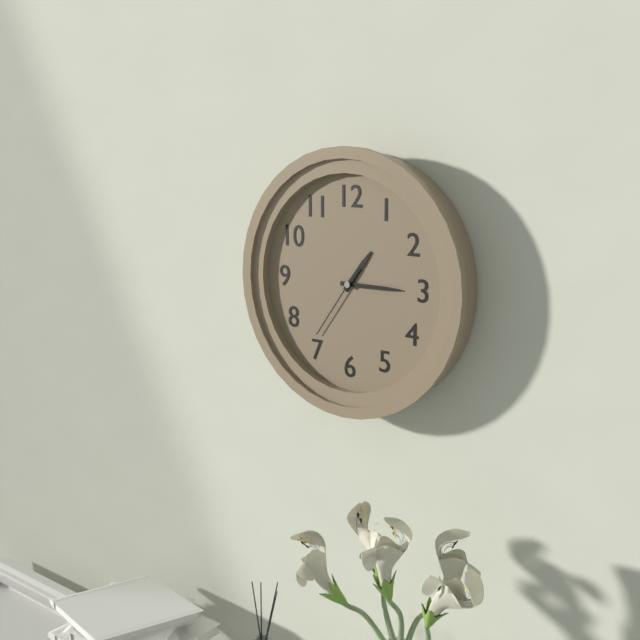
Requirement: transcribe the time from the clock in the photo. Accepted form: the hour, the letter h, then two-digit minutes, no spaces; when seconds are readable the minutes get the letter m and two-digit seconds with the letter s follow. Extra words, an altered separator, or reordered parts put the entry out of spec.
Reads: 1h15m36s
